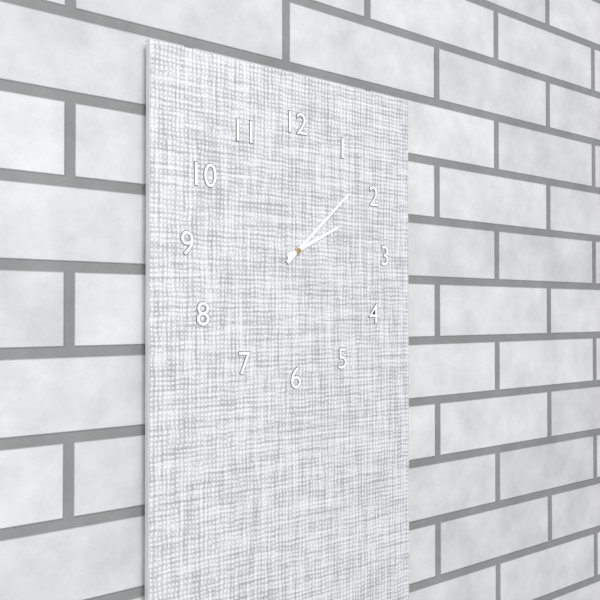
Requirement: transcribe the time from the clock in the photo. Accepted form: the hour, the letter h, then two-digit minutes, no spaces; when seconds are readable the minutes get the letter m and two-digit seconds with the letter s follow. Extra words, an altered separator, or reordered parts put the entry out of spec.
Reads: 2h08
